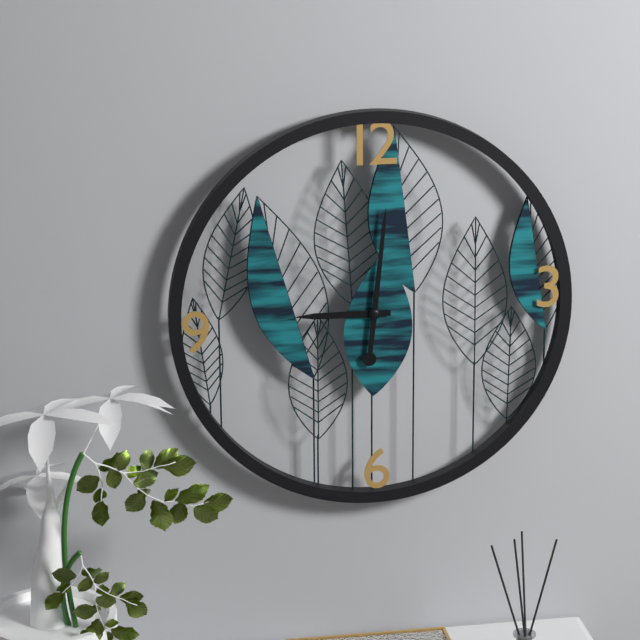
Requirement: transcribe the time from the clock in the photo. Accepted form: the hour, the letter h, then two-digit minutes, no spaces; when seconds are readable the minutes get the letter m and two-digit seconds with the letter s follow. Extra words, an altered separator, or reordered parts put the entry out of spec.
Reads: 9h01
